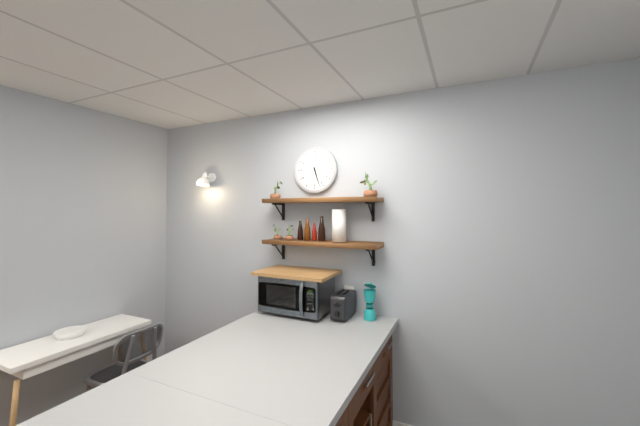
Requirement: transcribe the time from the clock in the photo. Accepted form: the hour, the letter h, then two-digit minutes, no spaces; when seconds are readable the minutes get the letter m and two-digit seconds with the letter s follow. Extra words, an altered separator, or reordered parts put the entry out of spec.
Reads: 5h27
